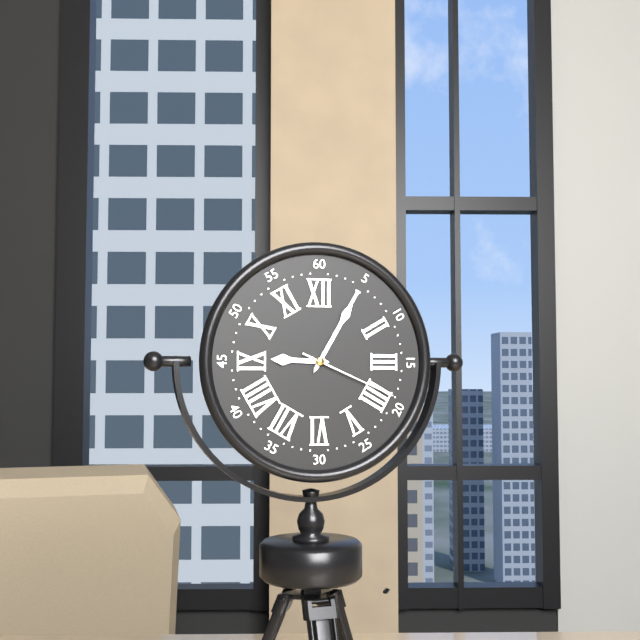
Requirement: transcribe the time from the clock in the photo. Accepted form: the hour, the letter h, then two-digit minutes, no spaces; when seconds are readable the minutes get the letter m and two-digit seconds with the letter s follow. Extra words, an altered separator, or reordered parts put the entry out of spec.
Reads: 9h05m19s
